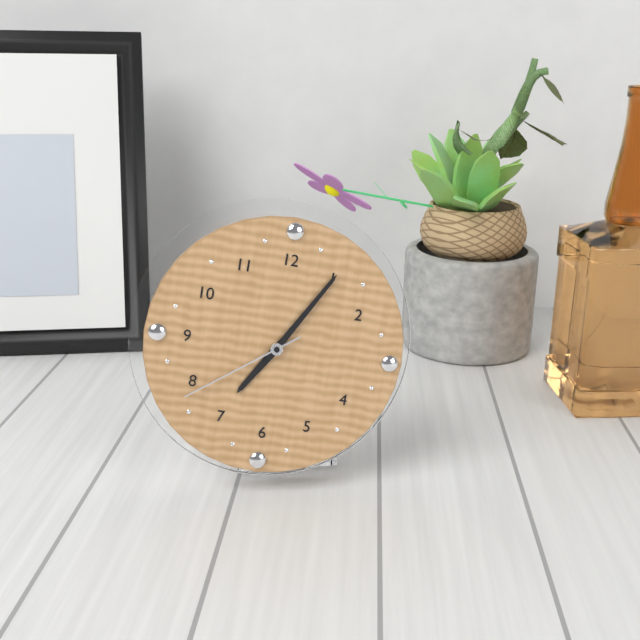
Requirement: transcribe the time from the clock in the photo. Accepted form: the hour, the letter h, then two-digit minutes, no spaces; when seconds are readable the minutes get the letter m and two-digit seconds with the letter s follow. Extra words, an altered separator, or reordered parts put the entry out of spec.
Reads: 7h05m39s
